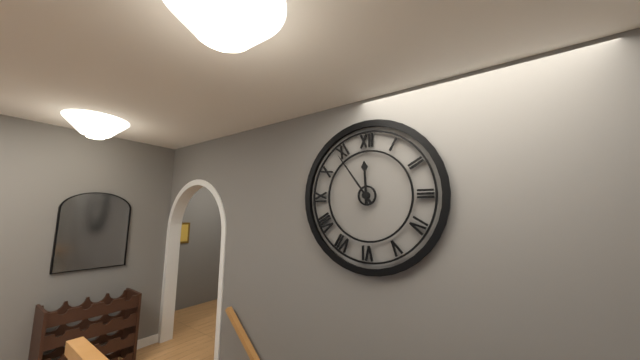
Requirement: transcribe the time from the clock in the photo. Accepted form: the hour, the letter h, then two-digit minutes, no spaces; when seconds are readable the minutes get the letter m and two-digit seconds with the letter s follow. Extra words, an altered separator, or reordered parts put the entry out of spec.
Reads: 11h54
